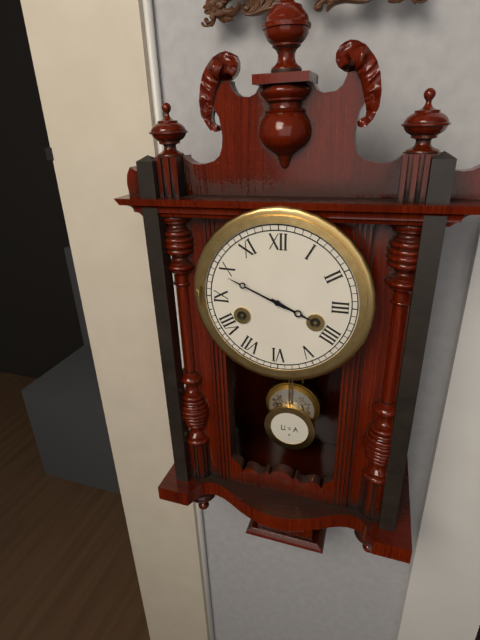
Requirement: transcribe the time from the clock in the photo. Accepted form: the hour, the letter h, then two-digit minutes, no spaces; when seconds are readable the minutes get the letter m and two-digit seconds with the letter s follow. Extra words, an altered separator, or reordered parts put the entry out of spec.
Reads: 3h49
